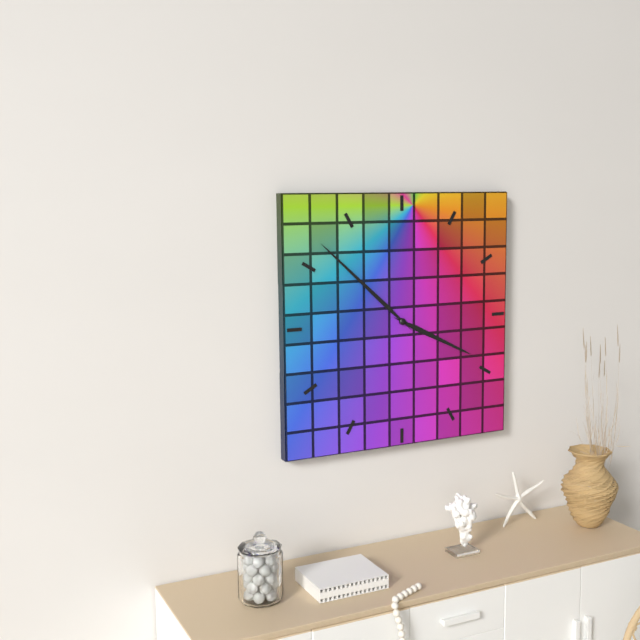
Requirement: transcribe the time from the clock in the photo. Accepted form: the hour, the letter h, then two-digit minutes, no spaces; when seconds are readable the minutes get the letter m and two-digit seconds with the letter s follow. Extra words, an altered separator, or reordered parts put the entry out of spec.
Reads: 3h52
